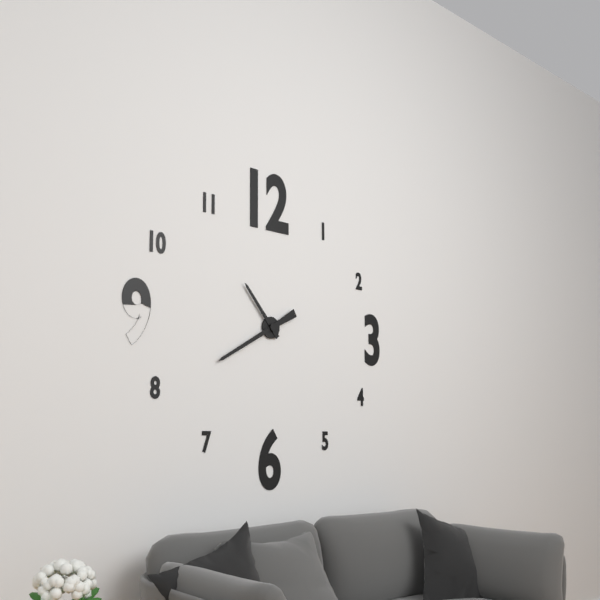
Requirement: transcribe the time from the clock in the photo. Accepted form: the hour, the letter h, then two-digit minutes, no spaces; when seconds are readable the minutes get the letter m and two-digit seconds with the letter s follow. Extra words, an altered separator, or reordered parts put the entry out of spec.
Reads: 10h40
